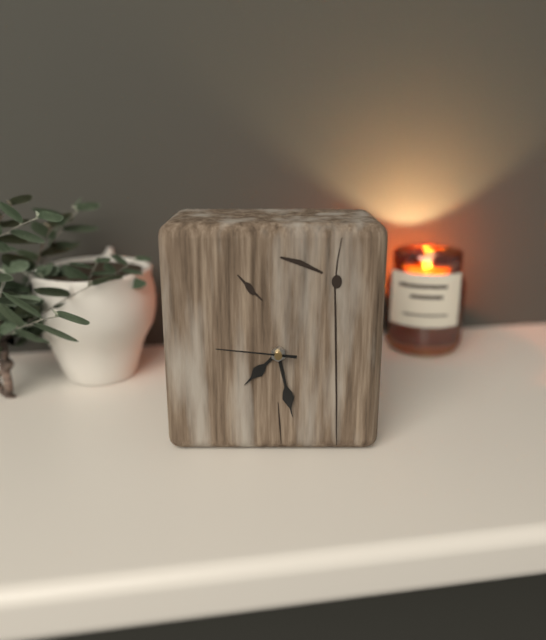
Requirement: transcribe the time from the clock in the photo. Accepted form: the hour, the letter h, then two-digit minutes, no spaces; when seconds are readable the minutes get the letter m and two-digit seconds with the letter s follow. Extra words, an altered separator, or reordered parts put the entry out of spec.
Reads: 7h28m46s
